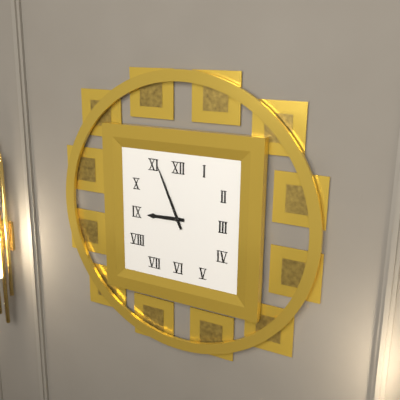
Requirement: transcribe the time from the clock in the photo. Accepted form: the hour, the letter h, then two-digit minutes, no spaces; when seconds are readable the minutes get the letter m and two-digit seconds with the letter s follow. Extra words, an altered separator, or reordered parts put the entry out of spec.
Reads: 8h56
